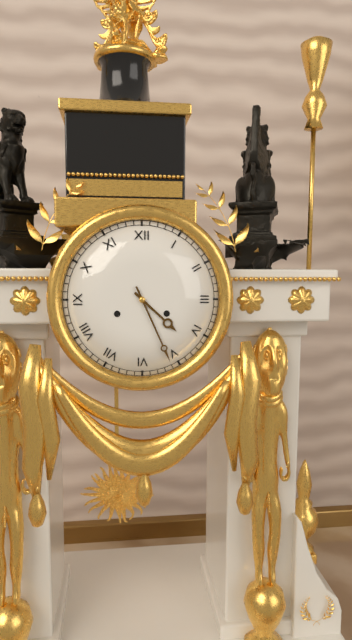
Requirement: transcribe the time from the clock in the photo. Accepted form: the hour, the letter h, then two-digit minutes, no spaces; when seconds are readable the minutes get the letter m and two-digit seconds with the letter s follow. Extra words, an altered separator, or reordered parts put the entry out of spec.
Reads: 4h26
